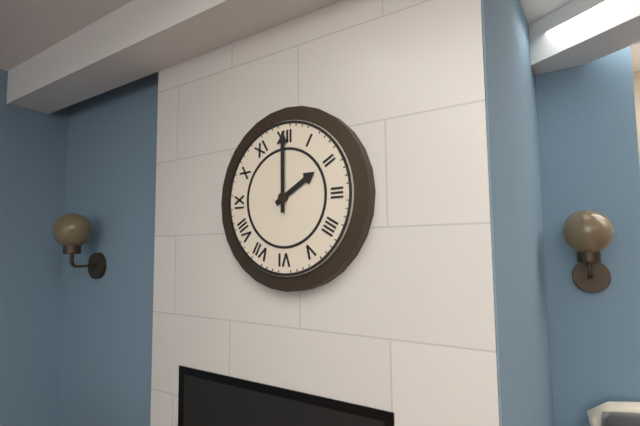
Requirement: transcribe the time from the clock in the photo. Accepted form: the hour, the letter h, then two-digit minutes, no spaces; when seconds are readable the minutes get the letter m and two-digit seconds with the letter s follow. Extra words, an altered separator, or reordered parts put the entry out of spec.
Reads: 2h00
